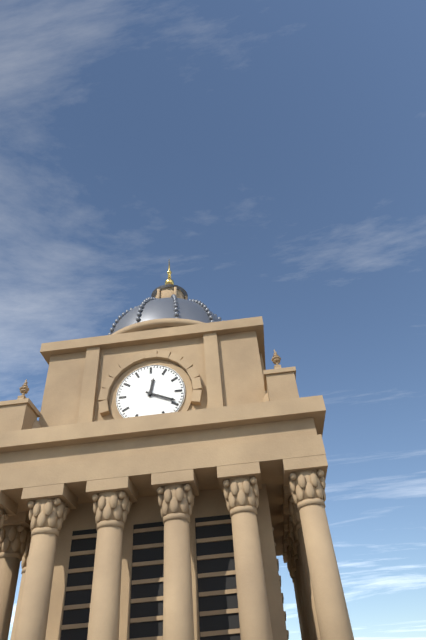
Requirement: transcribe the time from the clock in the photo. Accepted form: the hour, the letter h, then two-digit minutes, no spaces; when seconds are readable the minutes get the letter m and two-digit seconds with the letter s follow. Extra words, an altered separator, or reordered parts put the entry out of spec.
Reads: 12h19
